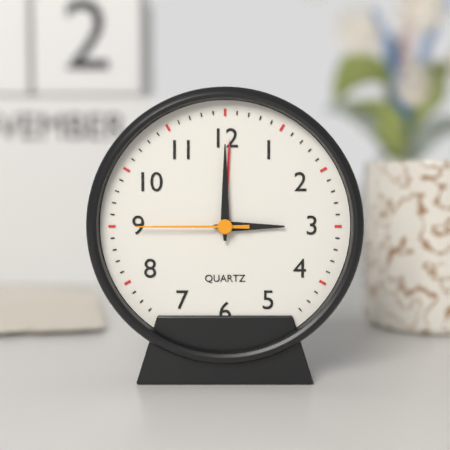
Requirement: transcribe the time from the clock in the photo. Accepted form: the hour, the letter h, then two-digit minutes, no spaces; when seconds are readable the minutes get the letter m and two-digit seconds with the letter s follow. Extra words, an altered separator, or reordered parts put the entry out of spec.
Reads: 3h00m45s
